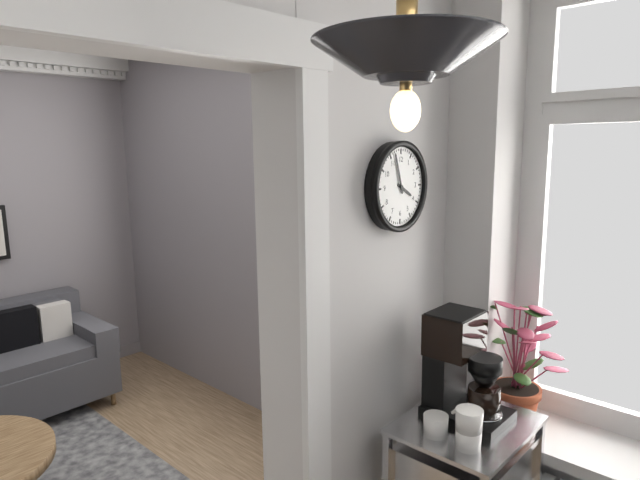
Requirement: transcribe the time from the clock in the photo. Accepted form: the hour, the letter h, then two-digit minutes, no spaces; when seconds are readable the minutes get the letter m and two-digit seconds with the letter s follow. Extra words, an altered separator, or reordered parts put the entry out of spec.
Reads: 3h57
